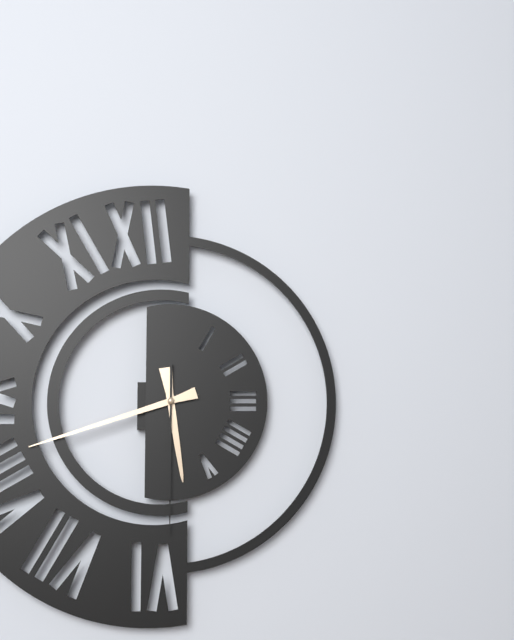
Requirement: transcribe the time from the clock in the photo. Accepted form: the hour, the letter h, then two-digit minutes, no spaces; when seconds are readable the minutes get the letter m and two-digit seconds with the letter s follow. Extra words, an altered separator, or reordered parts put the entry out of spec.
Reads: 5h42m30s
